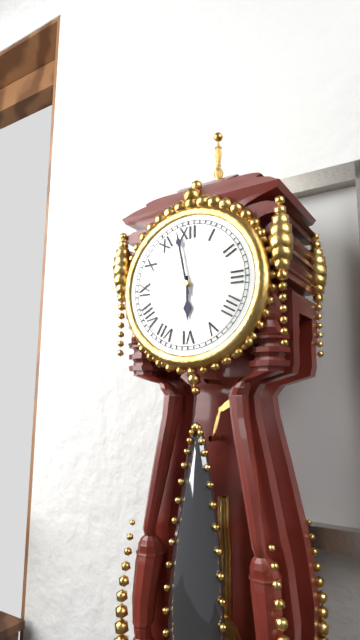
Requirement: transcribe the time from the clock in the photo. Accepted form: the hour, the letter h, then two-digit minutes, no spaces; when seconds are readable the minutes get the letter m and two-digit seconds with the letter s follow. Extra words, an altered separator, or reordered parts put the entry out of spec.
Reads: 5h58
